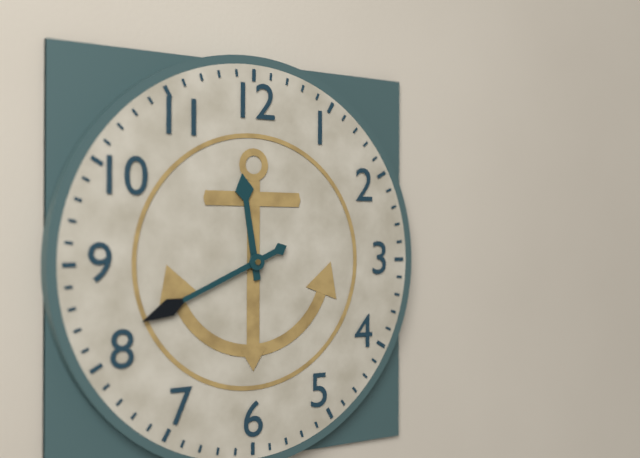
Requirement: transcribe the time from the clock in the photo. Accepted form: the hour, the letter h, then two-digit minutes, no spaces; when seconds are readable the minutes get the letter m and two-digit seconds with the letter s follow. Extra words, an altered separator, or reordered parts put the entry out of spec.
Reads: 11h41
